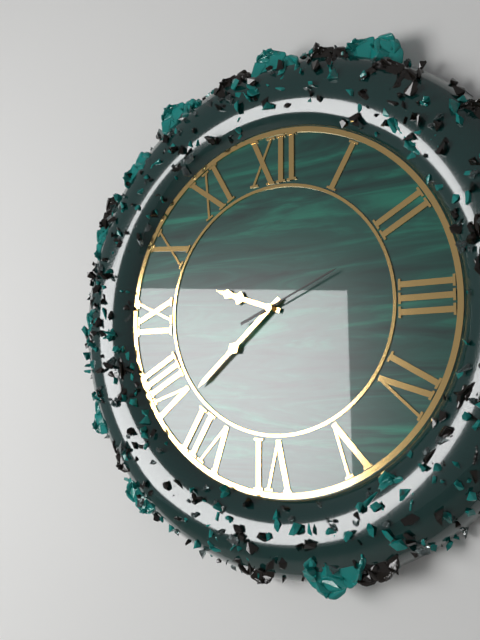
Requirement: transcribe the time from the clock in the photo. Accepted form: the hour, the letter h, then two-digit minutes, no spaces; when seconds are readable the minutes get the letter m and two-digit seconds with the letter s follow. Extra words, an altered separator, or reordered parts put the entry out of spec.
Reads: 9h38m11s
